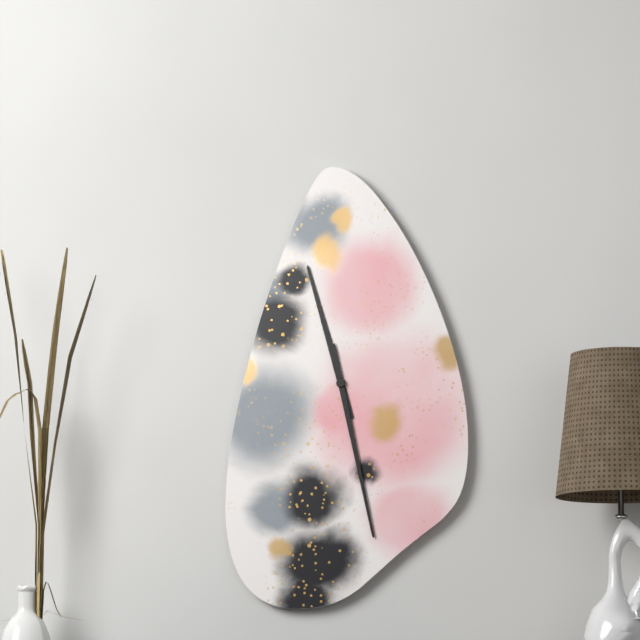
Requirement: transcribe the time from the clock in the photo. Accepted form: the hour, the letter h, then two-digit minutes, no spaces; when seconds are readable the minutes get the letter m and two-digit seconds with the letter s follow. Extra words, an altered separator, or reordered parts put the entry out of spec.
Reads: 11h28
